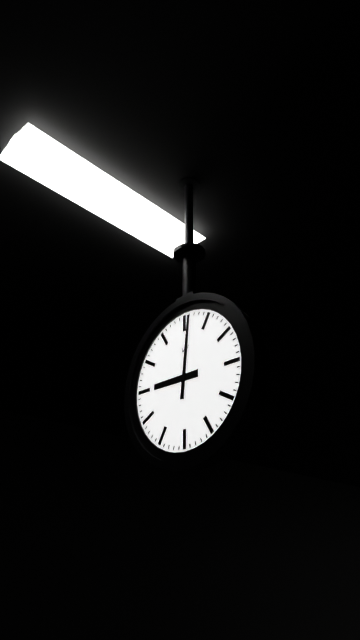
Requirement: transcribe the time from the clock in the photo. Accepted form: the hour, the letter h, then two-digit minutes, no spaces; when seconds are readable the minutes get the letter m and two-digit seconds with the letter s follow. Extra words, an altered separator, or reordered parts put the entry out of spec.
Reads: 9h01
